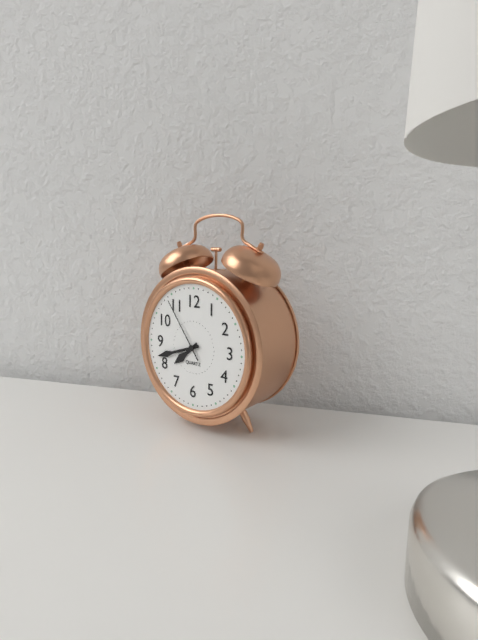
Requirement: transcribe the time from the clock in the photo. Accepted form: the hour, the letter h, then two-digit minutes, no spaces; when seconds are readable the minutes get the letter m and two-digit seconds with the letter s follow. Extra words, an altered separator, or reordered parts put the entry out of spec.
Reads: 7h42m54s
